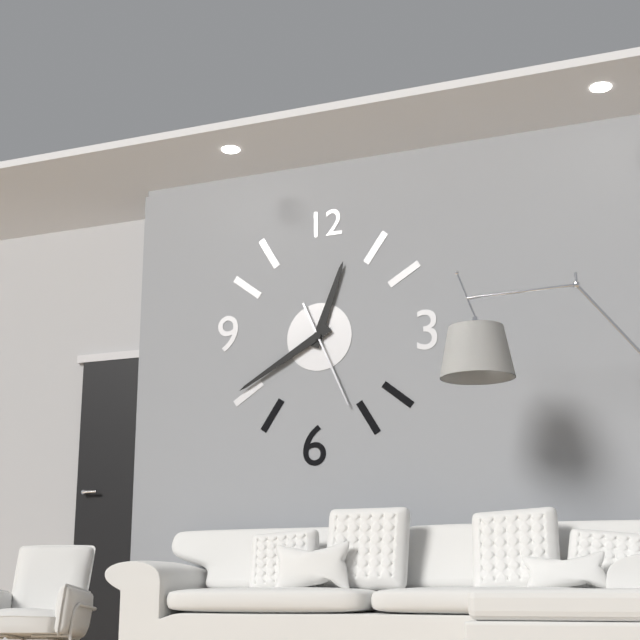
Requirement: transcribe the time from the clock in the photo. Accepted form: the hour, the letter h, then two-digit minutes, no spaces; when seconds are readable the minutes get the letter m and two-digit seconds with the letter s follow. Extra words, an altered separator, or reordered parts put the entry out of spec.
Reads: 12h40m26s
